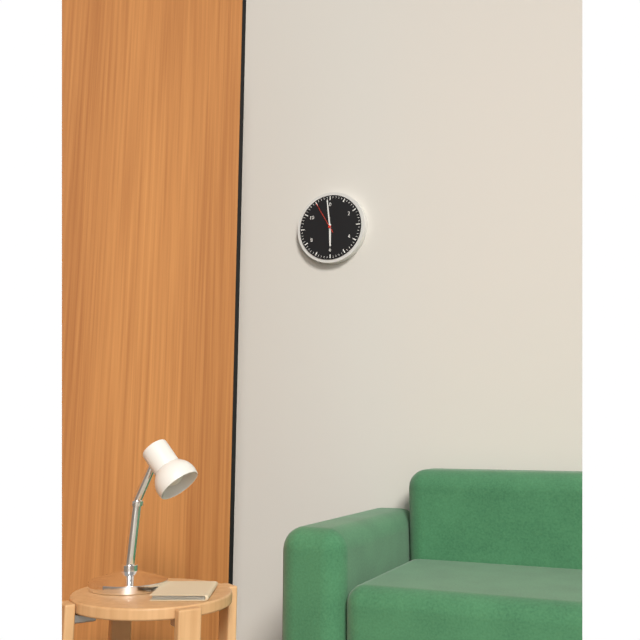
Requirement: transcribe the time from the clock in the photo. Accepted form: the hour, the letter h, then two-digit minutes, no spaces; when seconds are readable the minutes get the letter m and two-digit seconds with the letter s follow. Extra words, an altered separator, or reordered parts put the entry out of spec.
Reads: 5h59
